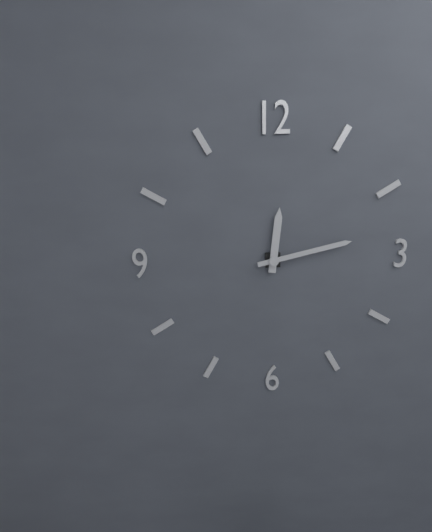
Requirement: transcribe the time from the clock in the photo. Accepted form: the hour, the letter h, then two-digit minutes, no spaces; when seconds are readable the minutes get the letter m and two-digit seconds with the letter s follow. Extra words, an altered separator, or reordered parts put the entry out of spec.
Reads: 12h13
